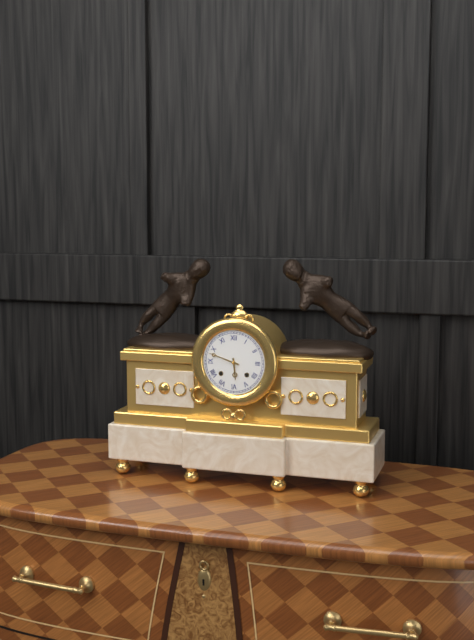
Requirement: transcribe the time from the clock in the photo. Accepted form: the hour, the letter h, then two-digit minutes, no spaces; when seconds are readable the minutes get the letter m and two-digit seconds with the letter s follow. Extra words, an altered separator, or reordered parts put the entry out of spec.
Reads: 5h48
